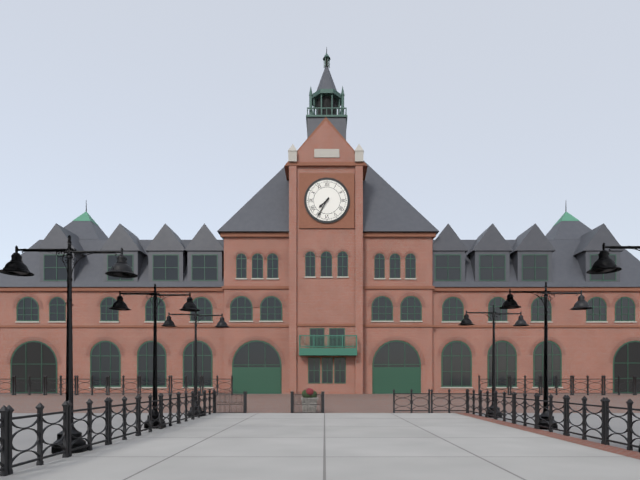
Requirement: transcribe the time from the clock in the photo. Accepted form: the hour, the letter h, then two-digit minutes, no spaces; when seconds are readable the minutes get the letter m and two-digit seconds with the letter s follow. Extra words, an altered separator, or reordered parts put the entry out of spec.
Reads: 7h35
